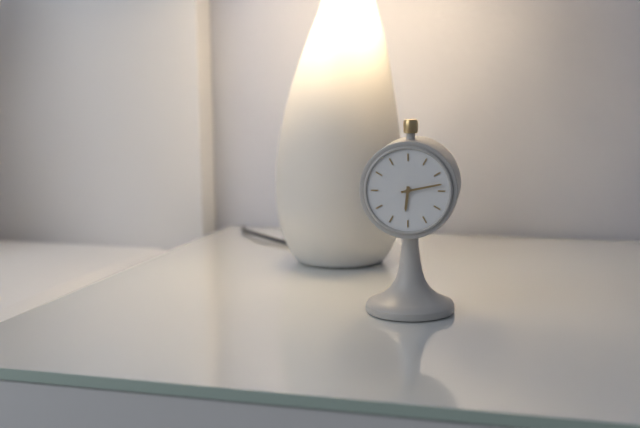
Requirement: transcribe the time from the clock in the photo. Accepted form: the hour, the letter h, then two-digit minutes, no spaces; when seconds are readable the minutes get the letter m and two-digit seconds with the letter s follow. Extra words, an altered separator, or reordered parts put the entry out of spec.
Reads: 6h13
